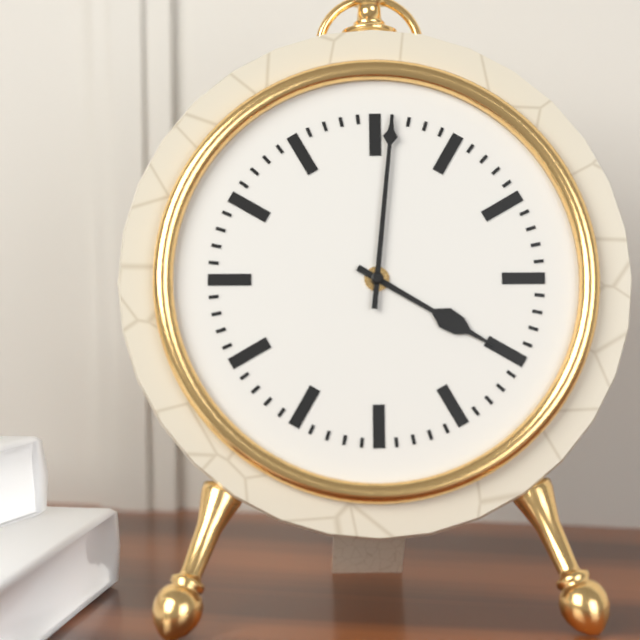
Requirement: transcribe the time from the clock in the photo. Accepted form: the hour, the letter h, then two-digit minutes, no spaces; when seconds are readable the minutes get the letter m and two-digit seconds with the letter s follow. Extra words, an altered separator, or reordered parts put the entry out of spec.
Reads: 4h01
